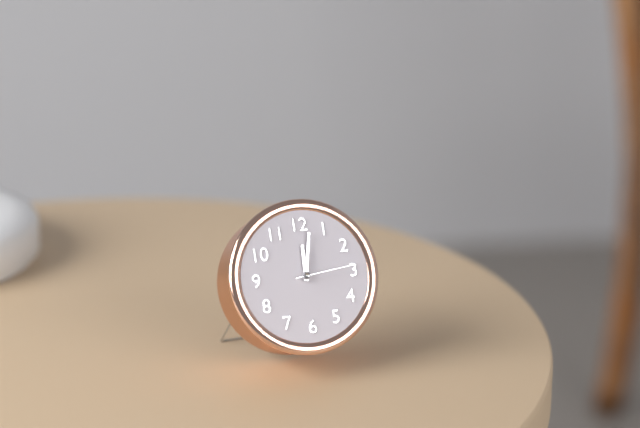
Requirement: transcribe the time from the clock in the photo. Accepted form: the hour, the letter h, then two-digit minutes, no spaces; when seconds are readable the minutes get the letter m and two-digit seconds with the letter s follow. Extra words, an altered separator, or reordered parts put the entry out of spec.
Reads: 12h02m14s
